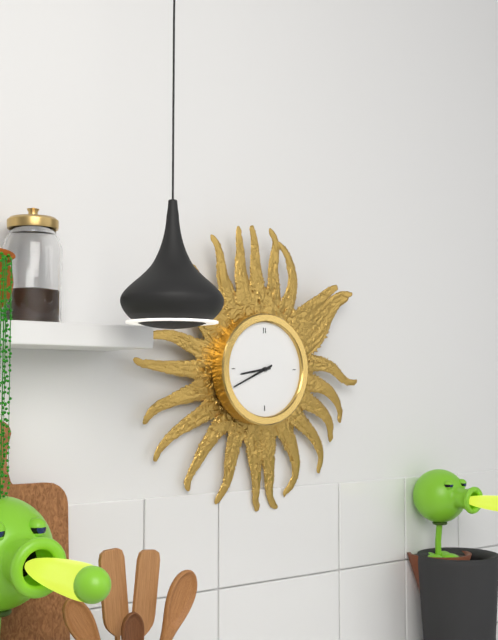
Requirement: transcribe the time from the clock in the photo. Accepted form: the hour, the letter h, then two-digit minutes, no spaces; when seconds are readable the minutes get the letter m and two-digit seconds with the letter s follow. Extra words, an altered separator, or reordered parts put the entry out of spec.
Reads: 8h41
